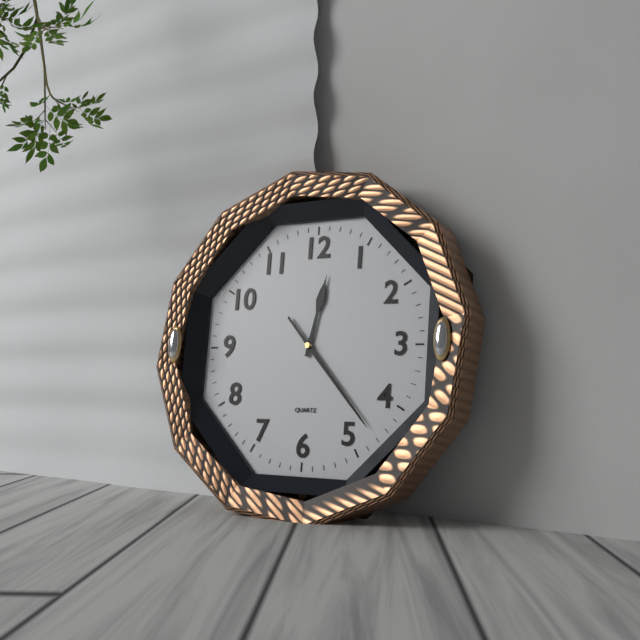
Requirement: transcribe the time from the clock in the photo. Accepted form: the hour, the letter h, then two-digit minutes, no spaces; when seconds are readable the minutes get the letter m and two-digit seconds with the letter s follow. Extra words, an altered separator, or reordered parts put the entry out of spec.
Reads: 12h23
